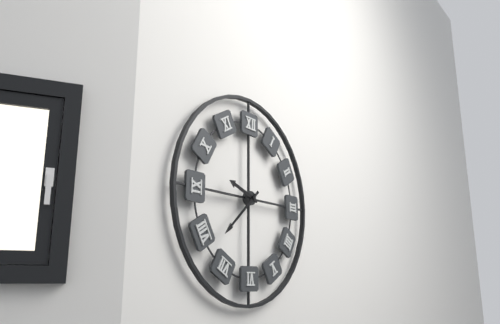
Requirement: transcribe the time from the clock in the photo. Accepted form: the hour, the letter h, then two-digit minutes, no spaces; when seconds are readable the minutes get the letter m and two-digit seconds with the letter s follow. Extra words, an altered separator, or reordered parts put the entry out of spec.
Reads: 9h38
